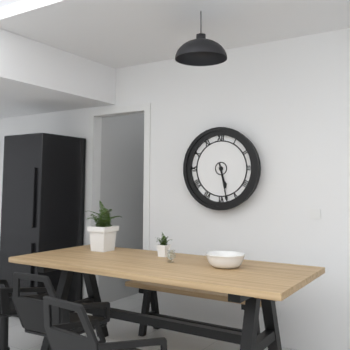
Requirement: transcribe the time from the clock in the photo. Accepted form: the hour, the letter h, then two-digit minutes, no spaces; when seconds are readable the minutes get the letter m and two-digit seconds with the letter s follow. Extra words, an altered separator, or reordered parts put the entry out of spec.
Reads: 5h28
